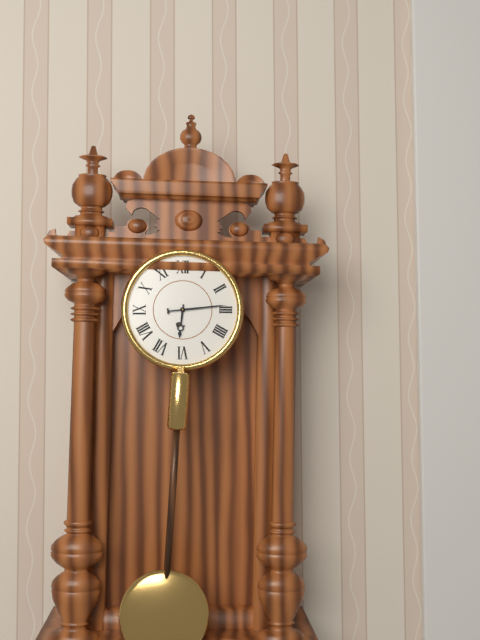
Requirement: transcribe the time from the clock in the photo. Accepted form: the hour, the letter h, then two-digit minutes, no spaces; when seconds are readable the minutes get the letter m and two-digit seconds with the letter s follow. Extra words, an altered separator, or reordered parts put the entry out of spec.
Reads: 6h14
